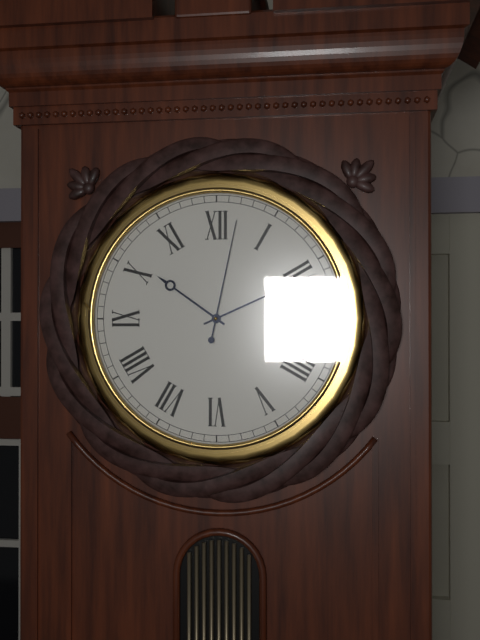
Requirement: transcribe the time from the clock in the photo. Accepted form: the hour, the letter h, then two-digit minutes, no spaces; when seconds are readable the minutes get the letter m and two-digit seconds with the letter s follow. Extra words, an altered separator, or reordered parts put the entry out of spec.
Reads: 10h11m02s
